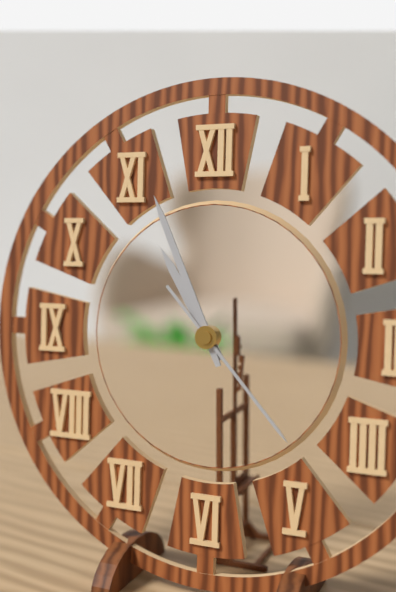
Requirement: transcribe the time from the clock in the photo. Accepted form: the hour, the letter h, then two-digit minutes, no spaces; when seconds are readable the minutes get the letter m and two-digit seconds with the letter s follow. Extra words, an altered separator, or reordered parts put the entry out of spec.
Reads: 10h56m23s
